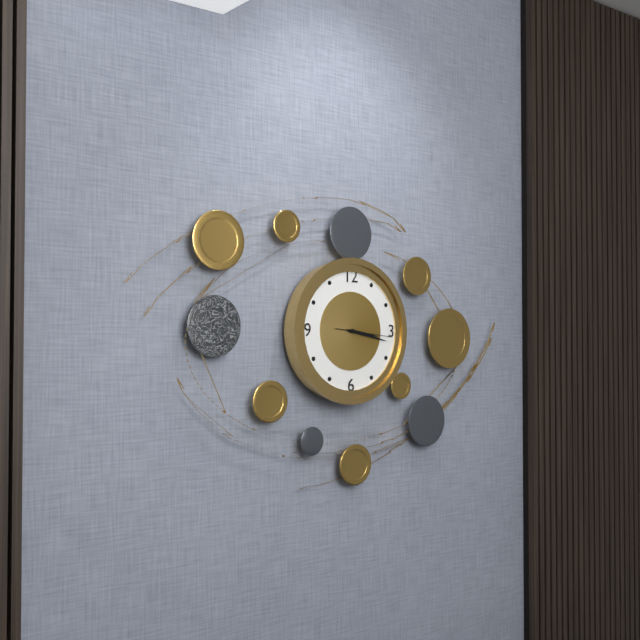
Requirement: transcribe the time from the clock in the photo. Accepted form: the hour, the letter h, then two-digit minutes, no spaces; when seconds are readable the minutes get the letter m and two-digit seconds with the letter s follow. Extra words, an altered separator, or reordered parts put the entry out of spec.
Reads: 3h17m16s
